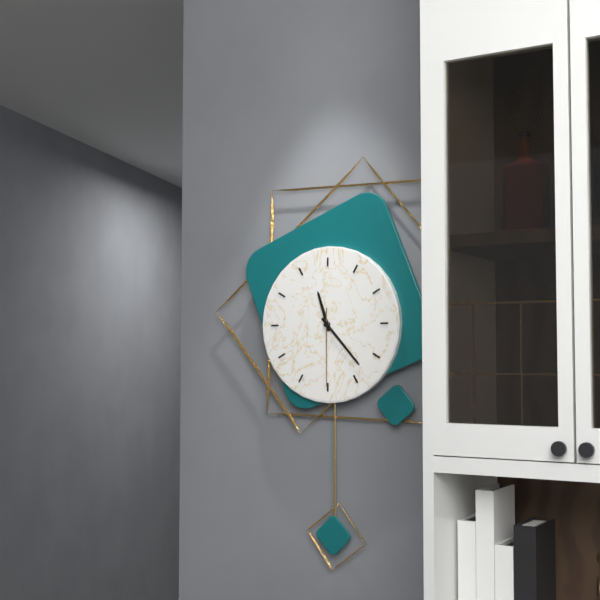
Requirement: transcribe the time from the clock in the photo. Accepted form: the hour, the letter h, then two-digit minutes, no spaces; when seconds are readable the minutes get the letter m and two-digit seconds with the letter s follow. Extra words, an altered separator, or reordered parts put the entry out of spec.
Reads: 11h23m30s
